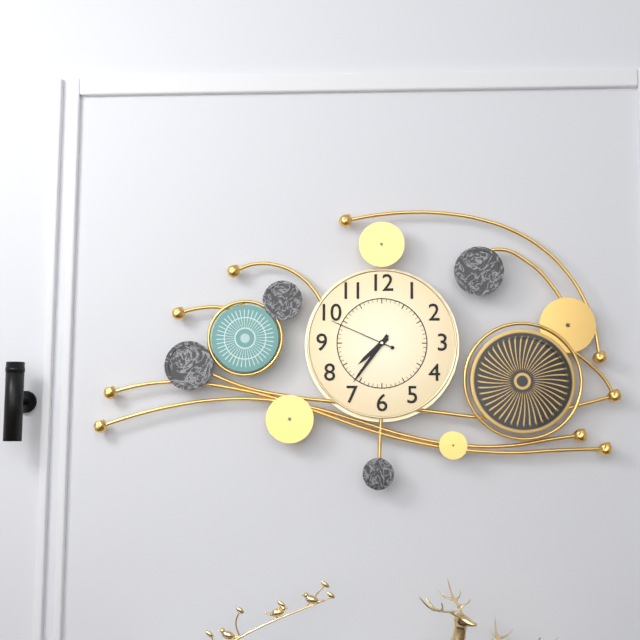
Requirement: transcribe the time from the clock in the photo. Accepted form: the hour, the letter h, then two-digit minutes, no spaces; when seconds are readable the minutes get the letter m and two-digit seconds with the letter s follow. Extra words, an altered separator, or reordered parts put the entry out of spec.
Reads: 7h36m49s
